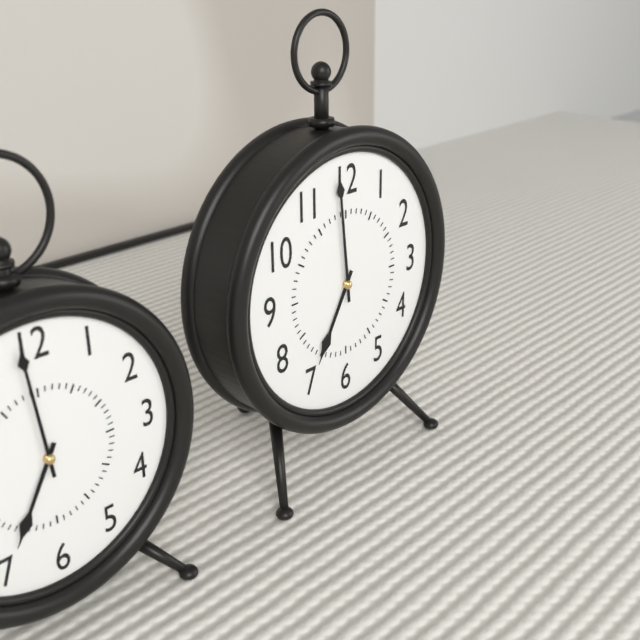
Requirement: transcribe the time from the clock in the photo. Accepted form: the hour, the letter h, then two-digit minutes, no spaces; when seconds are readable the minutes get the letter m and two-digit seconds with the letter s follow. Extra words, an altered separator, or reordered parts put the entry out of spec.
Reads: 6h59
